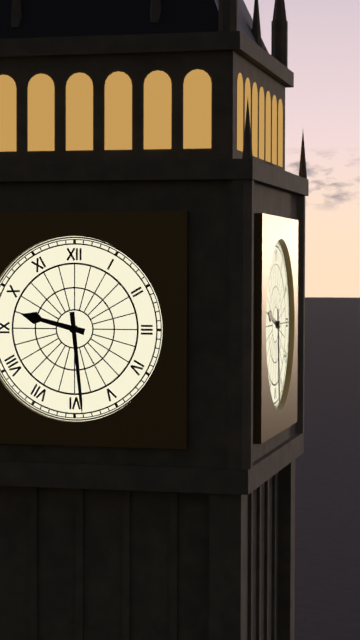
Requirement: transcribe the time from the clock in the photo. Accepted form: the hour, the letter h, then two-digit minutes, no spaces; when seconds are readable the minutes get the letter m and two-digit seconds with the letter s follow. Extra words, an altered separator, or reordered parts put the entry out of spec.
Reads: 9h29
